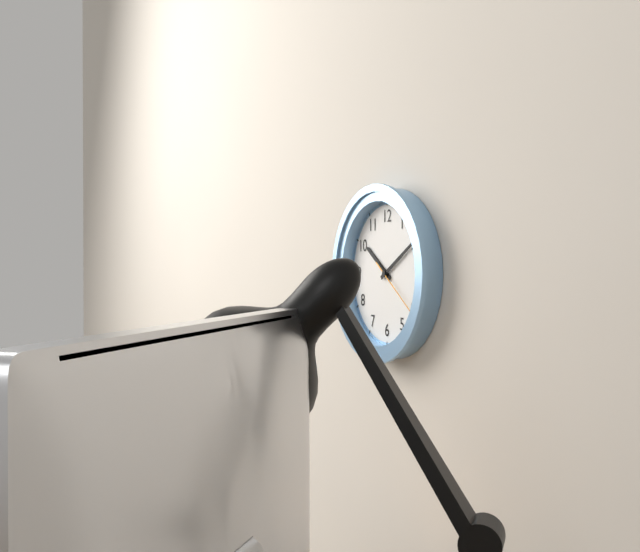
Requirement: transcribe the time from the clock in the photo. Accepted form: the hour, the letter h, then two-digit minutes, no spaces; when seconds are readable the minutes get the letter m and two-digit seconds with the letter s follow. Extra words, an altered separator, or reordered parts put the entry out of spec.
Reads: 10h10m21s
